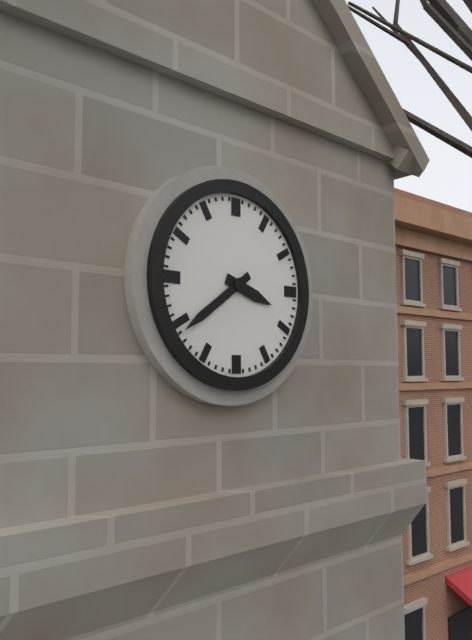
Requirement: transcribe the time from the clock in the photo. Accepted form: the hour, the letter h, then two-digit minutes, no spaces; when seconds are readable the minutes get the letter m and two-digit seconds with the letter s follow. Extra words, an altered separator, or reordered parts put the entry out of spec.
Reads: 3h39
